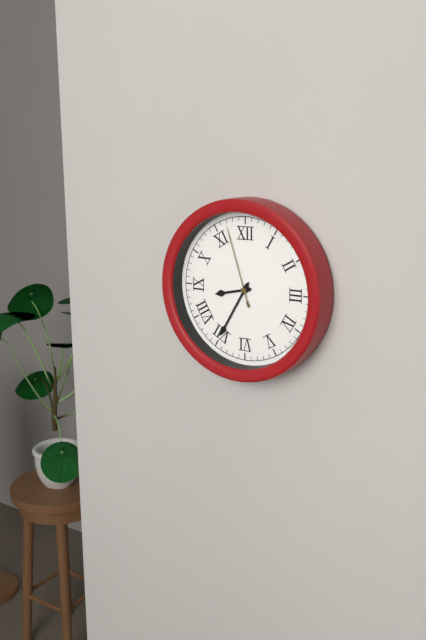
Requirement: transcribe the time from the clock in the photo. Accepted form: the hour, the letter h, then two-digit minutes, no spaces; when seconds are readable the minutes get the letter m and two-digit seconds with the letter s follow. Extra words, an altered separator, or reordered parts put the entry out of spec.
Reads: 8h35m57s
